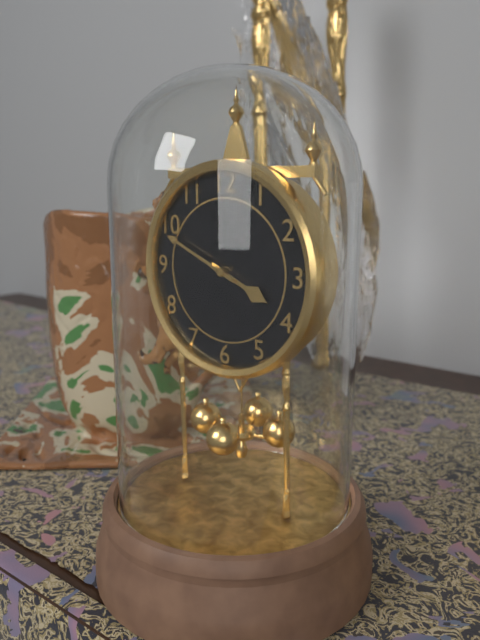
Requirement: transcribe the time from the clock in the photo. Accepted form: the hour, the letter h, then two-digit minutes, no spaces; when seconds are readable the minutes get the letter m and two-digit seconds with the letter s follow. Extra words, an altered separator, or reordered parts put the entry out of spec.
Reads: 3h49
